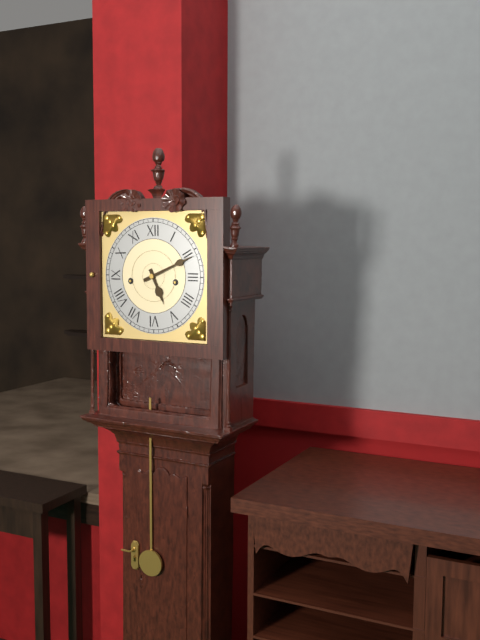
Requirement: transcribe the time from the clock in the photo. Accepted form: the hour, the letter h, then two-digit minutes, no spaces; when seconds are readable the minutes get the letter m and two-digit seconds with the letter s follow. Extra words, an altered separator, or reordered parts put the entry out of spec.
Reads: 5h11
